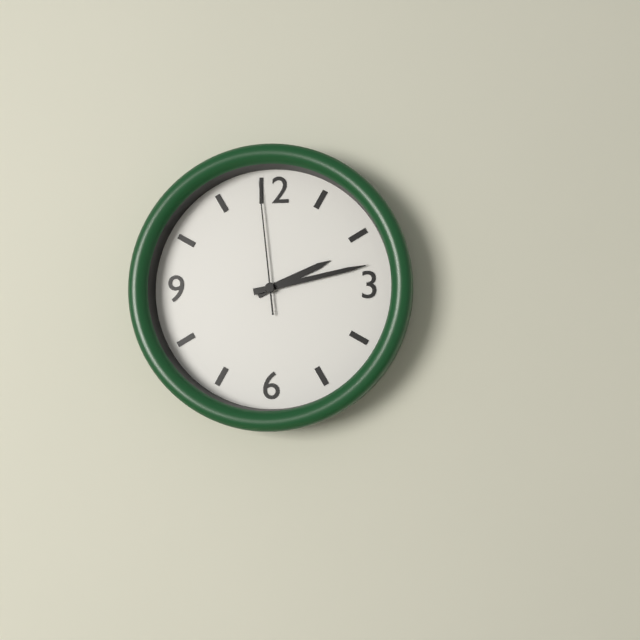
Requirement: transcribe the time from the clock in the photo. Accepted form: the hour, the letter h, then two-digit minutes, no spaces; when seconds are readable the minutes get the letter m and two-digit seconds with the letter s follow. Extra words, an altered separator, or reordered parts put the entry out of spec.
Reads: 2h13m59s
